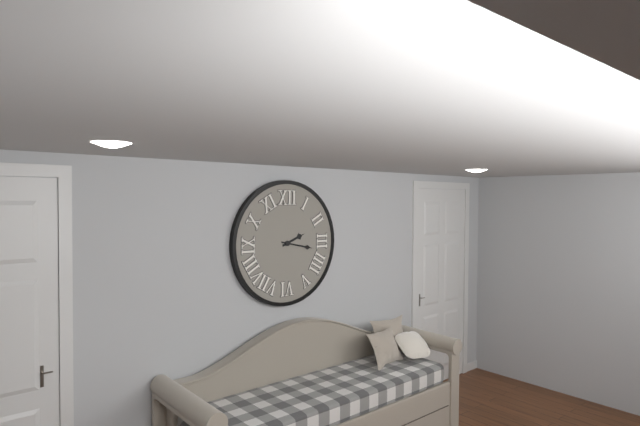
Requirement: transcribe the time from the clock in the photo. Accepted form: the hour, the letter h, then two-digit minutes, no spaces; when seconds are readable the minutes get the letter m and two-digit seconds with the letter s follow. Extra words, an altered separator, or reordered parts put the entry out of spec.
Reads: 2h17
